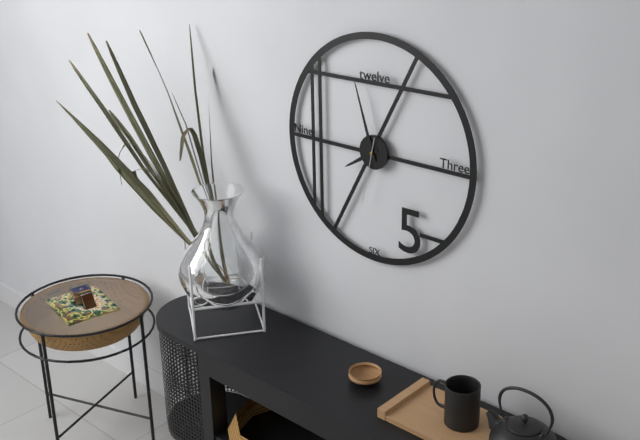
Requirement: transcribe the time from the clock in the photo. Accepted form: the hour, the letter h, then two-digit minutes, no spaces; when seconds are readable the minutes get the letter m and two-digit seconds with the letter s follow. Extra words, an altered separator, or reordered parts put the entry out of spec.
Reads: 7h57m32s
